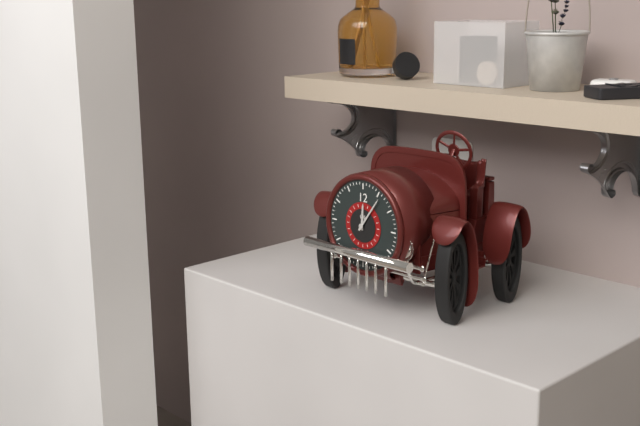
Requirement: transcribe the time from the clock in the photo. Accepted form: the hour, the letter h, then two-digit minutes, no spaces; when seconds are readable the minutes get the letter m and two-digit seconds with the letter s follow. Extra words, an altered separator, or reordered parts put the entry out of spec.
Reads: 12h06
